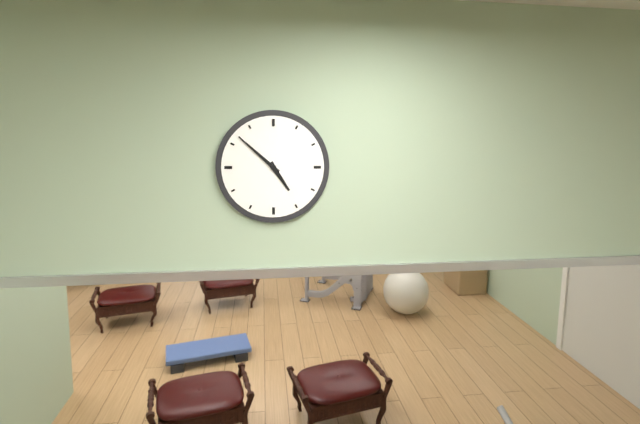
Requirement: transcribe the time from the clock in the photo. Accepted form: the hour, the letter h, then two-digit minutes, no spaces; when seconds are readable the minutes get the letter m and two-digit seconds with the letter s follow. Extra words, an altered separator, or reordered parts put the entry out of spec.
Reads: 4h52
